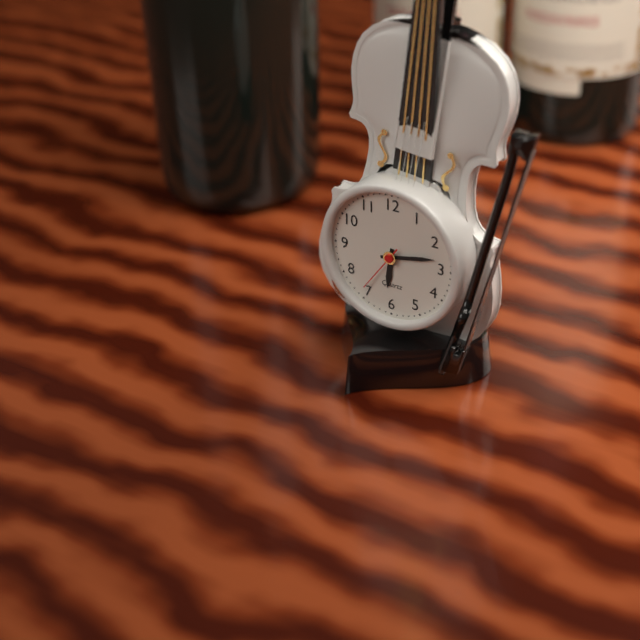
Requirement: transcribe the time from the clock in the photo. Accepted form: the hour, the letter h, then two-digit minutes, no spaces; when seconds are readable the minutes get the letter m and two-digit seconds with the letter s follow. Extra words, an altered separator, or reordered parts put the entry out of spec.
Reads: 6h13
